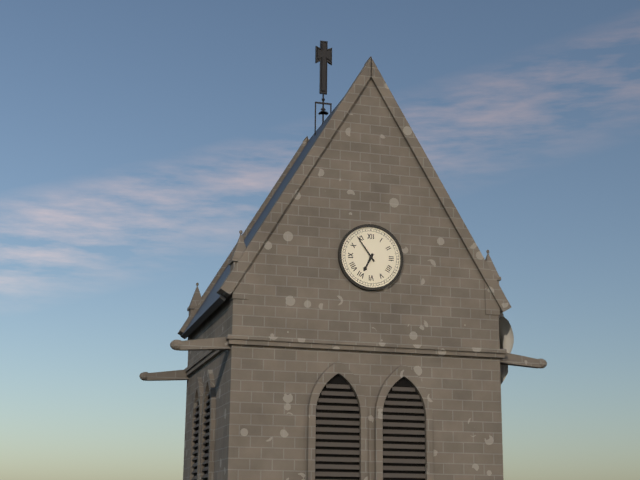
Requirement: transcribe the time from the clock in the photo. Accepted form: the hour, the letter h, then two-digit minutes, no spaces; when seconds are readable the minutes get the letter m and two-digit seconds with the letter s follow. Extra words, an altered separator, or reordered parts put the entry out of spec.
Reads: 6h54
